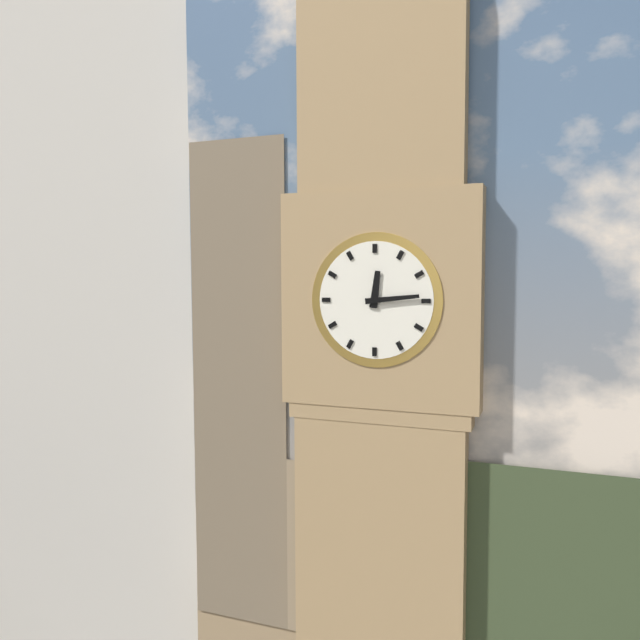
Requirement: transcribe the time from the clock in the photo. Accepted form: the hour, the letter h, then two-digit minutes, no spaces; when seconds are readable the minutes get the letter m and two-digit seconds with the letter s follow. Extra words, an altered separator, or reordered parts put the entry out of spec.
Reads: 12h14
